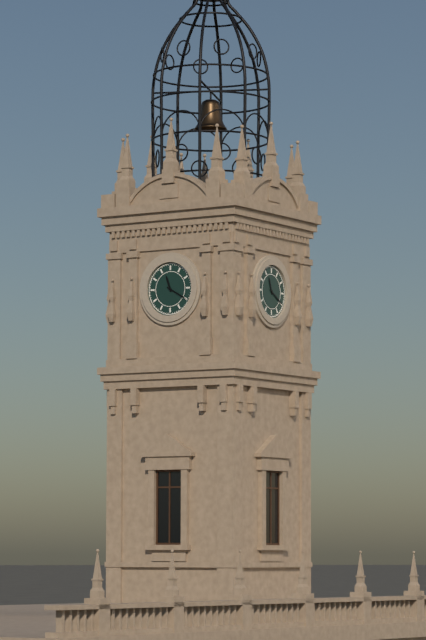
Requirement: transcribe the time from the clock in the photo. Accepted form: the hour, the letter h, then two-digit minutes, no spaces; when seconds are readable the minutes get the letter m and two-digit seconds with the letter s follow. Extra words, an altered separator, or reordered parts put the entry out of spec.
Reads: 11h20
